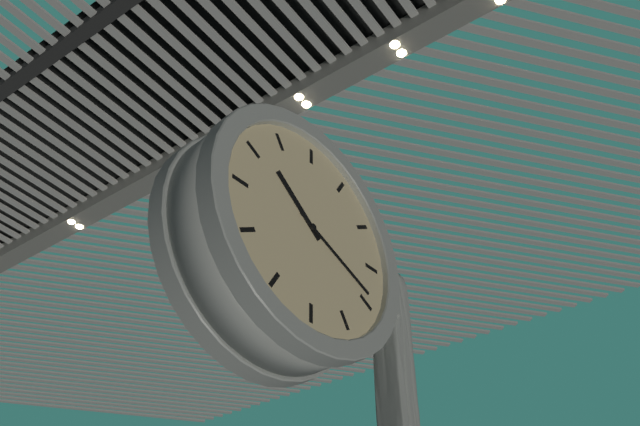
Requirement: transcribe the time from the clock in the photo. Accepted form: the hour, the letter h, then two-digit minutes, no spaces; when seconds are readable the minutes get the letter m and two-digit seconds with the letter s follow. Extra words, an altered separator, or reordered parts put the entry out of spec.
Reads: 10h19
